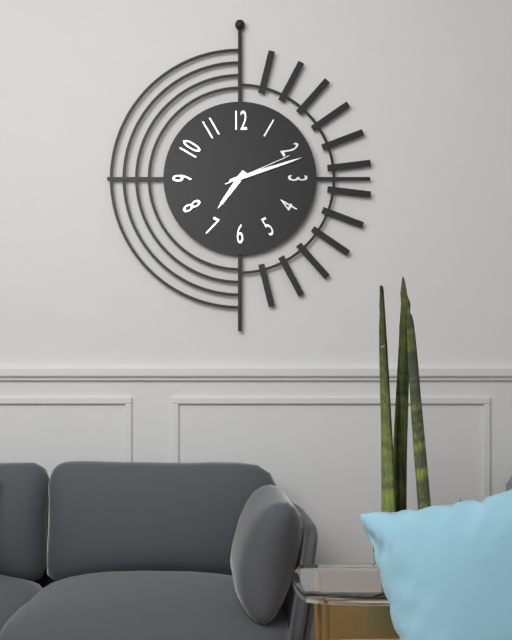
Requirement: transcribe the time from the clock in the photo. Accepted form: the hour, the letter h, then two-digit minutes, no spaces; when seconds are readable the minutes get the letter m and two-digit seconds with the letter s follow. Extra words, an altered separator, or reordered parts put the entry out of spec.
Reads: 7h12m11s
